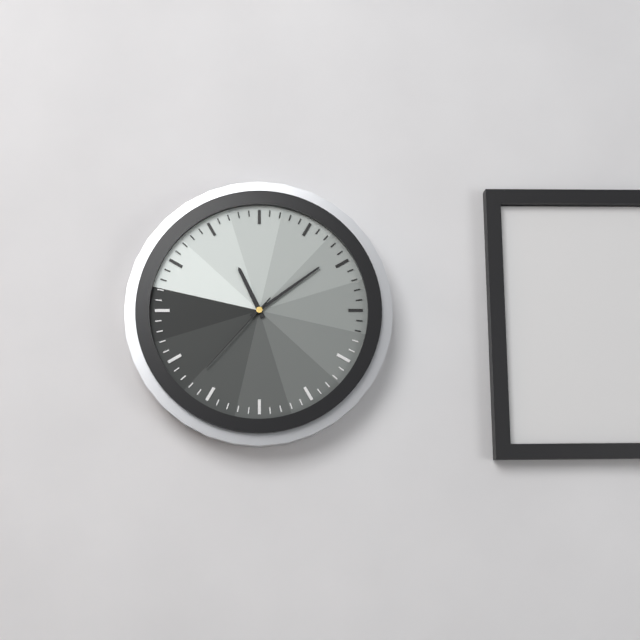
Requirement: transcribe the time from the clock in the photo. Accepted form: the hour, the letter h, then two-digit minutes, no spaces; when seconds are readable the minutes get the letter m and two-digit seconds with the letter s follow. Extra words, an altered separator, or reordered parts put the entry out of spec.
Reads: 11h09m37s
